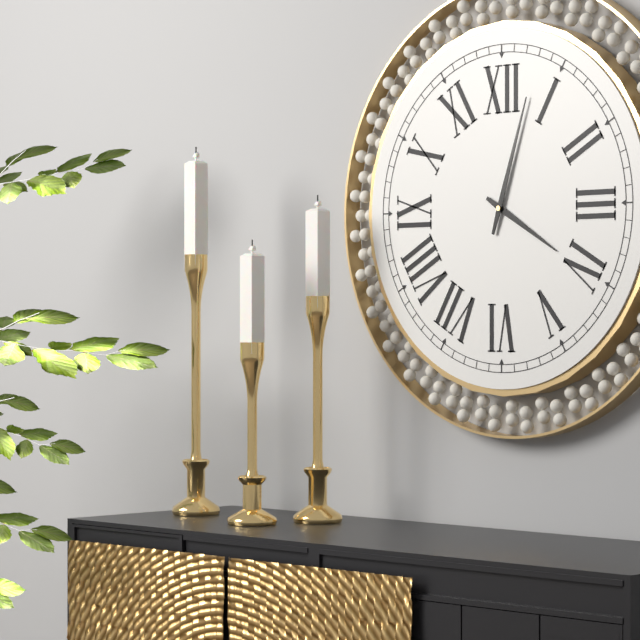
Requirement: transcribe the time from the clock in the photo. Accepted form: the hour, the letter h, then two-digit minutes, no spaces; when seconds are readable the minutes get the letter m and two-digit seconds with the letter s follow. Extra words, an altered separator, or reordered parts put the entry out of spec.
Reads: 4h03
